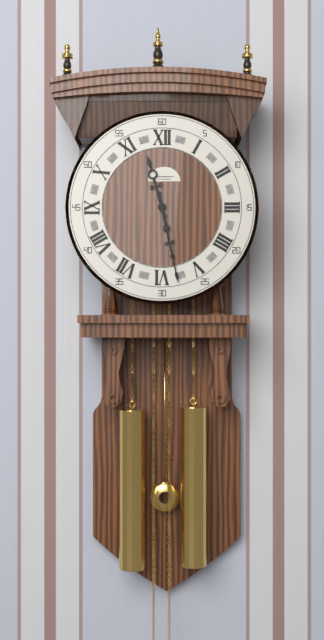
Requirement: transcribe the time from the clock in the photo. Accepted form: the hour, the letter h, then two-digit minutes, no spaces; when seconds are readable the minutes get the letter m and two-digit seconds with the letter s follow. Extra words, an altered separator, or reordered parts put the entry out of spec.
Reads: 11h28
